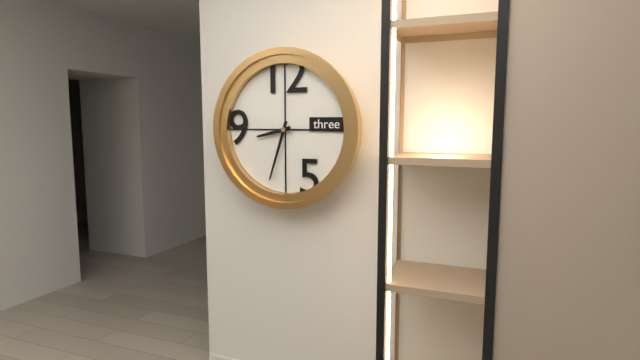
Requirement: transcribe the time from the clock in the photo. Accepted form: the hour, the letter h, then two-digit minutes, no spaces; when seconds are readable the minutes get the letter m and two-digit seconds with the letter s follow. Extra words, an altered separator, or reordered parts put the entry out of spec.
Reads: 8h33
